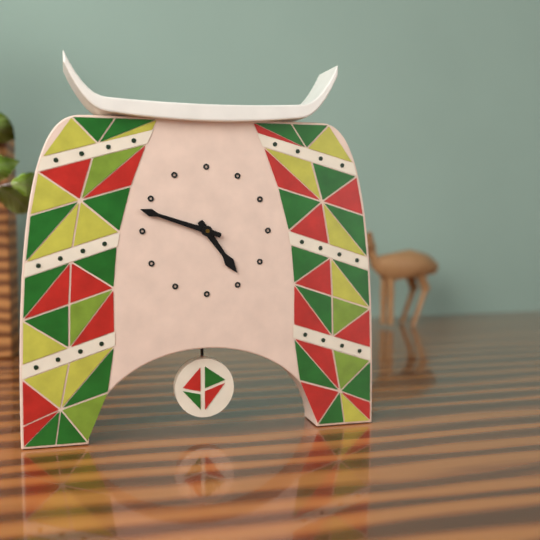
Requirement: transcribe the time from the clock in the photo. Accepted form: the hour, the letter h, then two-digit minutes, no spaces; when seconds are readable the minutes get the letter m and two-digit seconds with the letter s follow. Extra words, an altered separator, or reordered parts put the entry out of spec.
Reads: 4h48
